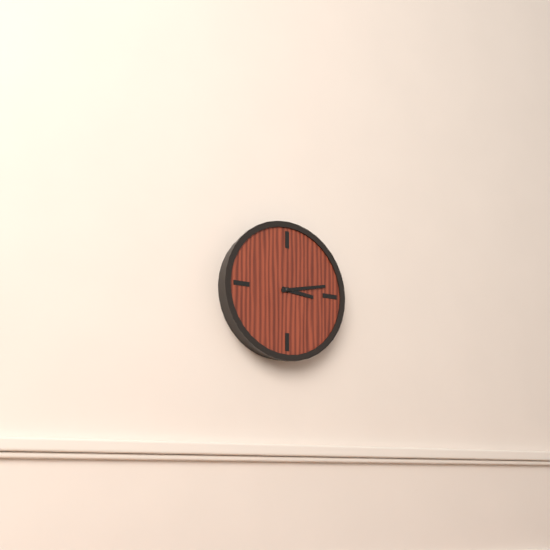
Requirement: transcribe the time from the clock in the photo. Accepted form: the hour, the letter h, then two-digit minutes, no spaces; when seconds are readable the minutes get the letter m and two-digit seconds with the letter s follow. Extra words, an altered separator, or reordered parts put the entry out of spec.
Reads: 3h13
